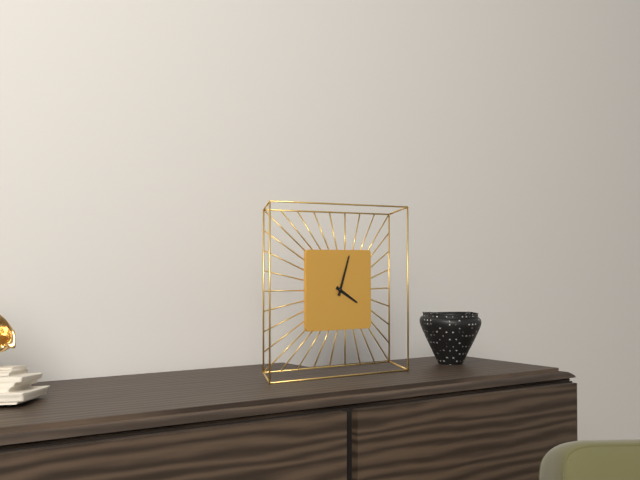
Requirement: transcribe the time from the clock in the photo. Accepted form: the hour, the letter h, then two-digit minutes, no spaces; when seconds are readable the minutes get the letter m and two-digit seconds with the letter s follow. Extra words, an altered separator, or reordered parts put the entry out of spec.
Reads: 4h03
